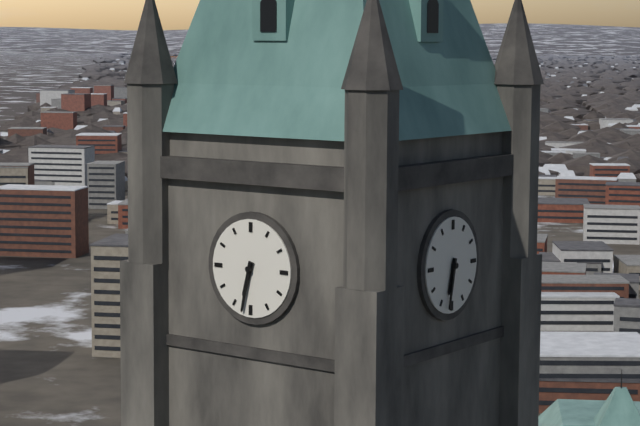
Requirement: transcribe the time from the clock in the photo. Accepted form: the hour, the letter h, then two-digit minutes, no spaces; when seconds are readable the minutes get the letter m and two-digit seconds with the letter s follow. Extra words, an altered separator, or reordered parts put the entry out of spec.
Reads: 6h32
